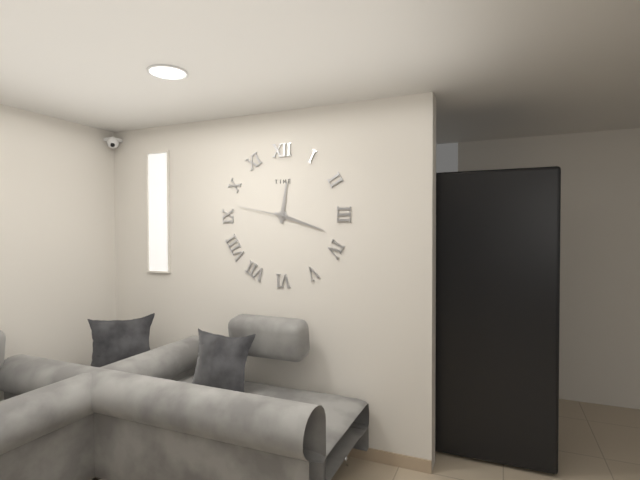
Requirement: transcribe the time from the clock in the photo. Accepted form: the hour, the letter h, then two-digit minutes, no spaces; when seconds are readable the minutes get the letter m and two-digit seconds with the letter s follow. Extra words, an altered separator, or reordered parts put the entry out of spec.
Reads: 12h18m47s
